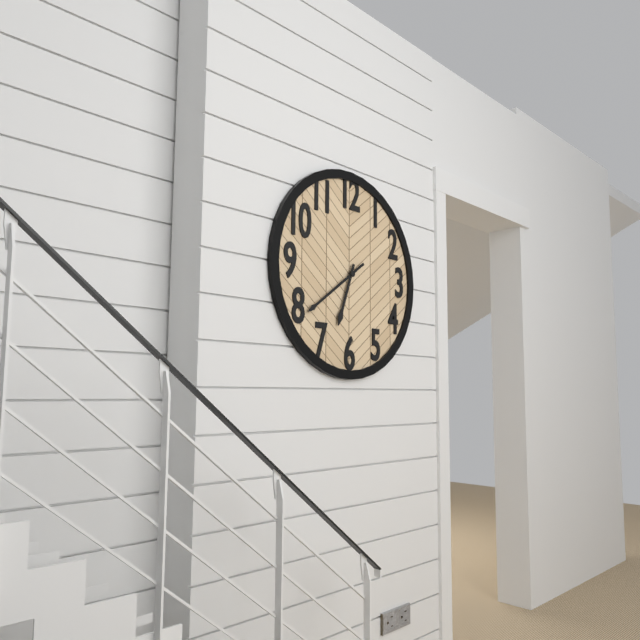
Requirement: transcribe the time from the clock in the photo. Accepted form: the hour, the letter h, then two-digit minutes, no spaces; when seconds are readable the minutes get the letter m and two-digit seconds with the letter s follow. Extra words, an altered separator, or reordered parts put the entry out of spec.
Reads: 6h39
